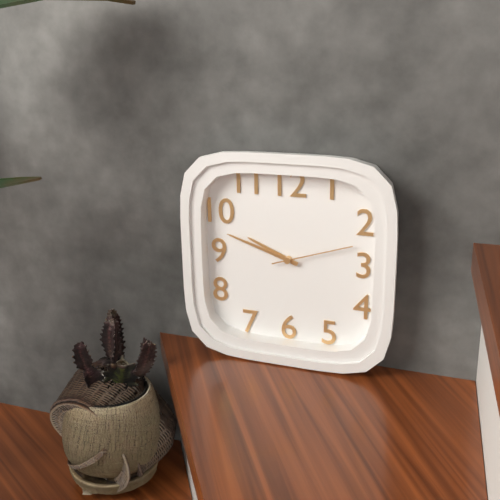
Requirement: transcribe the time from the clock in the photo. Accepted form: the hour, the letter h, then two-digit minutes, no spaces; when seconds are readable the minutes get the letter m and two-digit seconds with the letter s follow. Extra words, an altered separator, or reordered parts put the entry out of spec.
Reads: 9h48m12s
